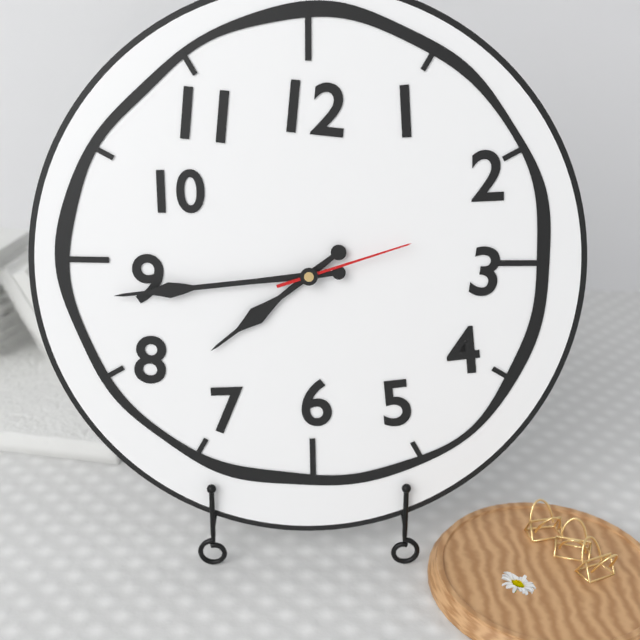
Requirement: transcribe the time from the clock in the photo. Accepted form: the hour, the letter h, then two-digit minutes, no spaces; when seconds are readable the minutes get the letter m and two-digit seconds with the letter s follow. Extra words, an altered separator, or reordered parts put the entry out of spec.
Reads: 7h44m12s
